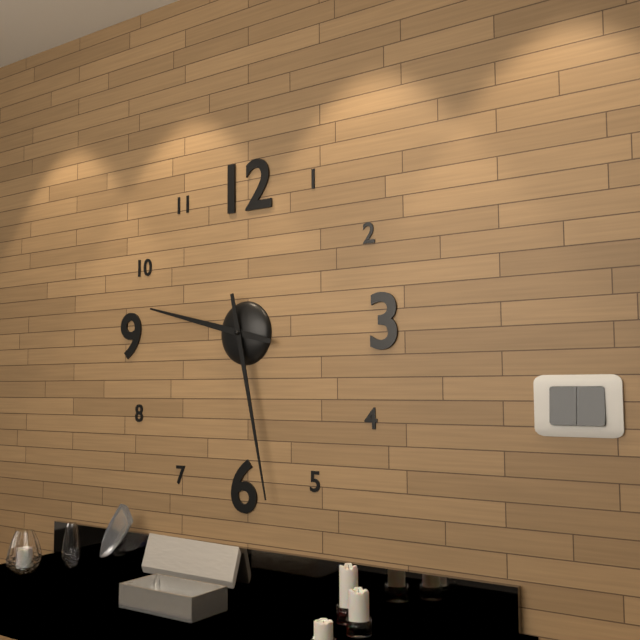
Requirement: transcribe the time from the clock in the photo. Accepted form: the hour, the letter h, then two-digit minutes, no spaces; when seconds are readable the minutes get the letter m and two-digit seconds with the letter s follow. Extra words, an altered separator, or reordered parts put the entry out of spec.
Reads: 9h28
